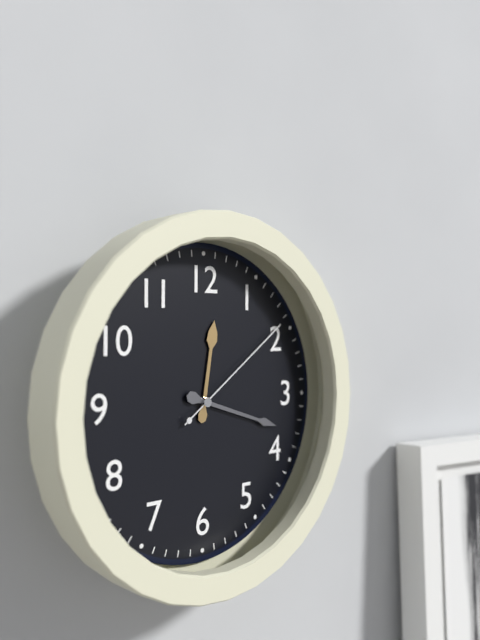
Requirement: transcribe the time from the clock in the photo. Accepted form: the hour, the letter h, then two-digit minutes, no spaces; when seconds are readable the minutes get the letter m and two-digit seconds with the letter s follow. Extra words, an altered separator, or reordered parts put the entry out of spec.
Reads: 12h18m09s
